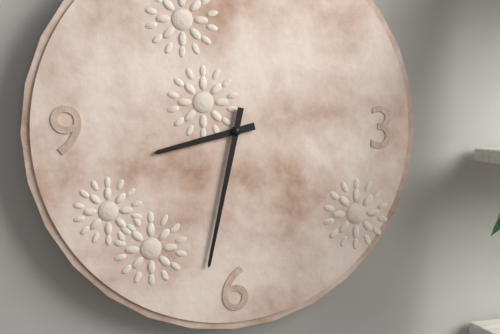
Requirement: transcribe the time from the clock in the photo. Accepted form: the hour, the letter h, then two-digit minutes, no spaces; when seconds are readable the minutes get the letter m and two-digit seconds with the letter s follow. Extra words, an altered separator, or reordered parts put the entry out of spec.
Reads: 8h32
